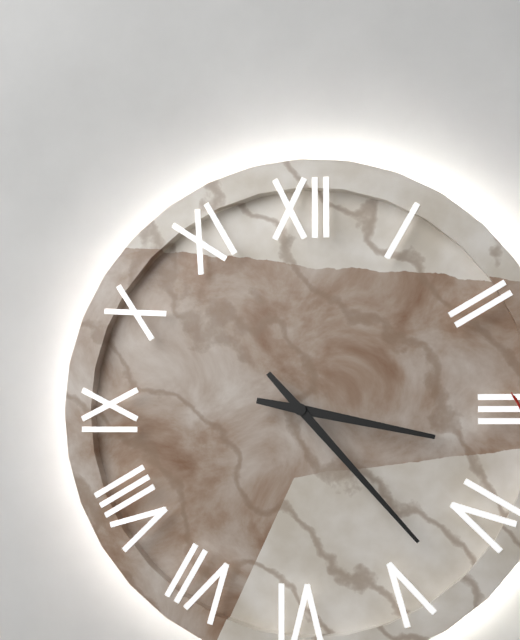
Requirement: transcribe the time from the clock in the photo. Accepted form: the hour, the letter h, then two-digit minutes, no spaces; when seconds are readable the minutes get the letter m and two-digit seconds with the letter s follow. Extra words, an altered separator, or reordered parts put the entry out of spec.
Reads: 3h23
